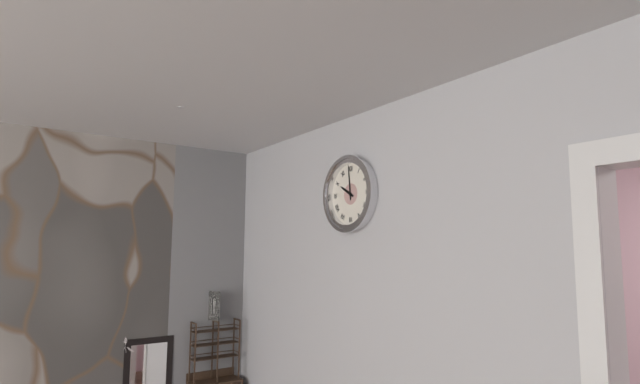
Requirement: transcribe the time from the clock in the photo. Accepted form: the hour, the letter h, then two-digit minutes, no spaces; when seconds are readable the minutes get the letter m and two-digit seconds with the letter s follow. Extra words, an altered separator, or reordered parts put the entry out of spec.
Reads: 9h59
